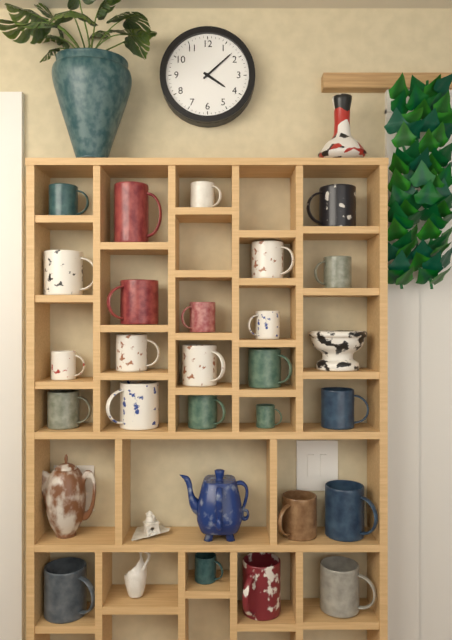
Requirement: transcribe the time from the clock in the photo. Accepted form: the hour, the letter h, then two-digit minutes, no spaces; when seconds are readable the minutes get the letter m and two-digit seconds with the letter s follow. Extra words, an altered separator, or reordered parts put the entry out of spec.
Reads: 4h08
